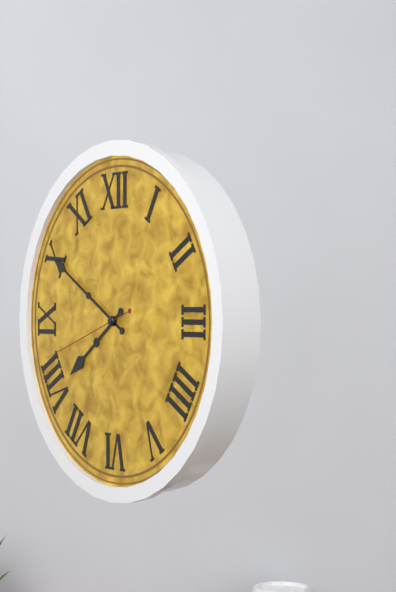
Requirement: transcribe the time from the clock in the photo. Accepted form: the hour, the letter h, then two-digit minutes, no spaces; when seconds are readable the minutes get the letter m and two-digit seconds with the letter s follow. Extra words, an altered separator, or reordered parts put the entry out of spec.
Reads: 7h50m42s
